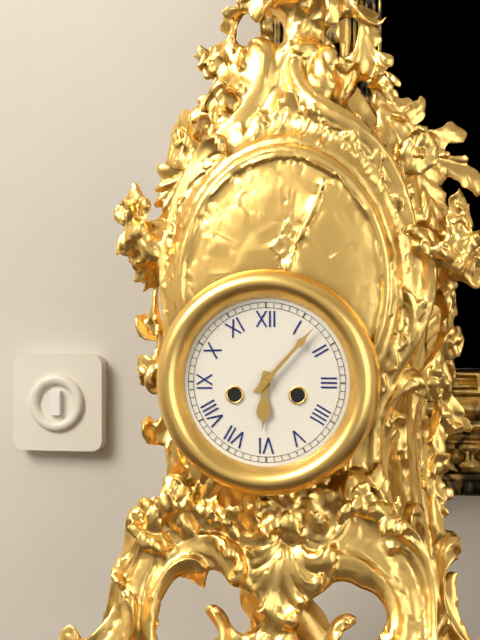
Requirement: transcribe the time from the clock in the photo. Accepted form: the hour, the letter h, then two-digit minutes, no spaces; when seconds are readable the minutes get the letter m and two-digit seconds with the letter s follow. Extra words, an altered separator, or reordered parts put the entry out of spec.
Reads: 6h07
